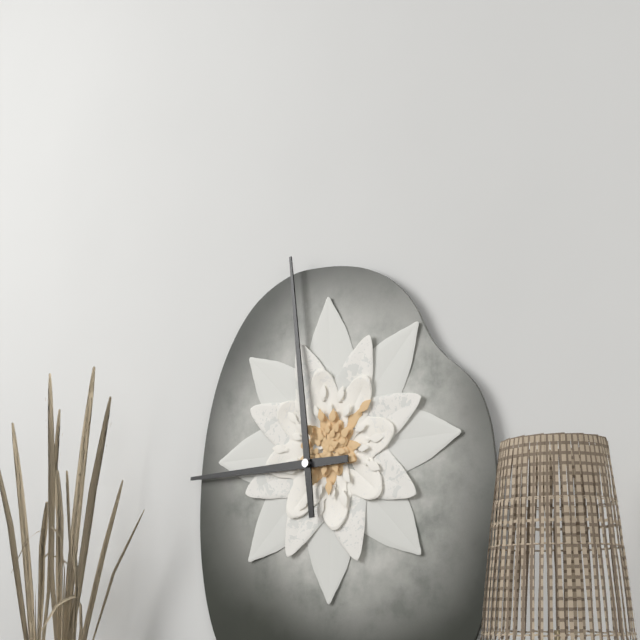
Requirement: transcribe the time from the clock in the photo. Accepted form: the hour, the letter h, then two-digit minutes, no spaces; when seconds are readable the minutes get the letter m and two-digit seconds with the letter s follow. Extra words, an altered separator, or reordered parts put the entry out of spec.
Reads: 8h59
